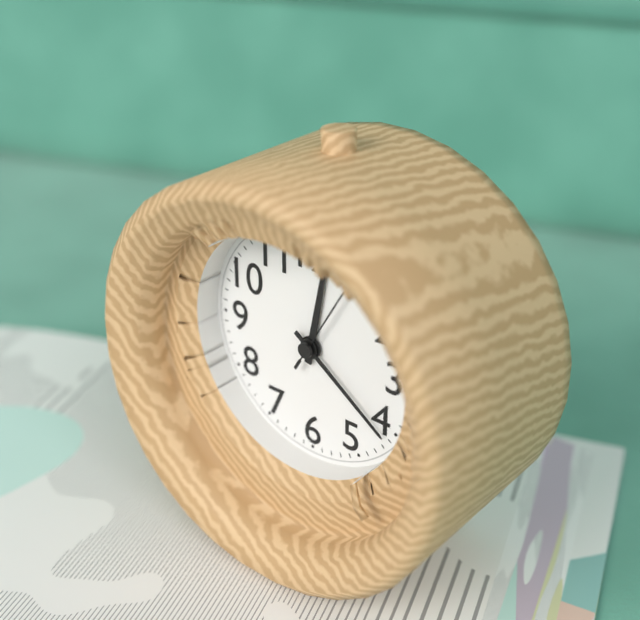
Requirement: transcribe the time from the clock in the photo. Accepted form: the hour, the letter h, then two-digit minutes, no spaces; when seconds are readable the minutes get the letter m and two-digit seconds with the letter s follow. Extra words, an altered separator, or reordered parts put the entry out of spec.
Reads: 12h21m05s
